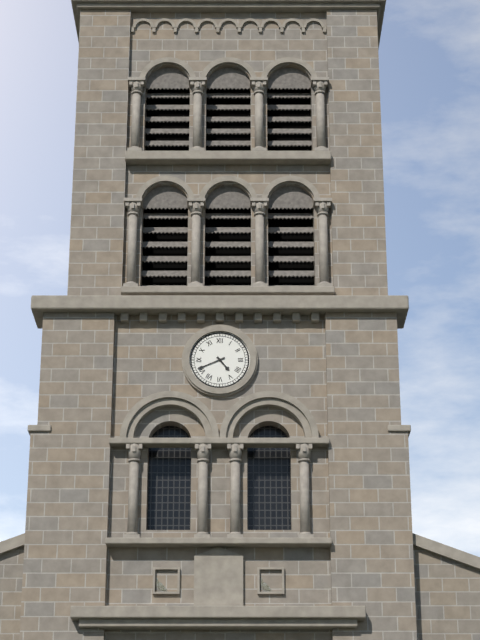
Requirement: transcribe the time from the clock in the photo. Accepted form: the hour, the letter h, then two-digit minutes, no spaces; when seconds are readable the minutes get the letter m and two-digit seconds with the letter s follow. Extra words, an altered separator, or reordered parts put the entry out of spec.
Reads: 4h41
